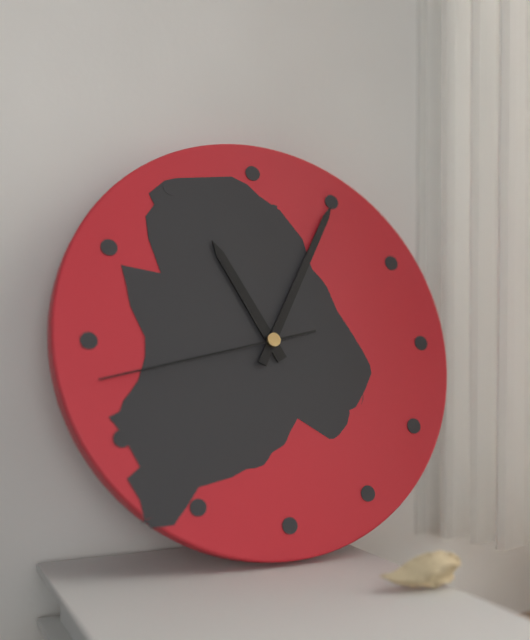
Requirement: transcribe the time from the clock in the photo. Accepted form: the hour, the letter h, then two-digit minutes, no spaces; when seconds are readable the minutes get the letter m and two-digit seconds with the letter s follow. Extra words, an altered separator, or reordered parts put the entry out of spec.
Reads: 11h05m43s
